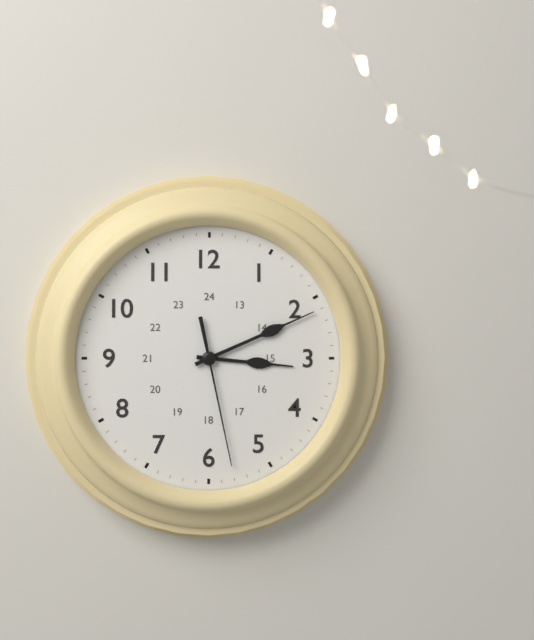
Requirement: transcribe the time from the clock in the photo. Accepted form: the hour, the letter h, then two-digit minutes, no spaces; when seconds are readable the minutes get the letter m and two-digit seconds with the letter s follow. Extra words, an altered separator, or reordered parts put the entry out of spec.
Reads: 3h11m28s
